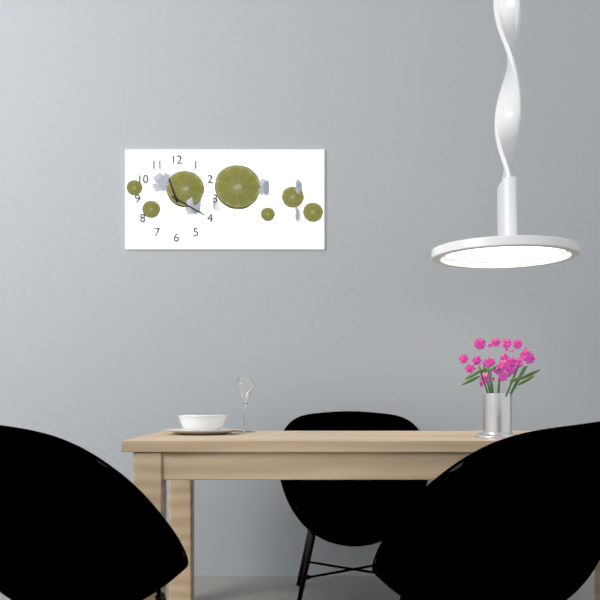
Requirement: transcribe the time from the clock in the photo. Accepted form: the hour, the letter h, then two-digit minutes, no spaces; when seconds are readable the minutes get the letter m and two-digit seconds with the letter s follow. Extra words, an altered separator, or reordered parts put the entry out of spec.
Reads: 11h20
